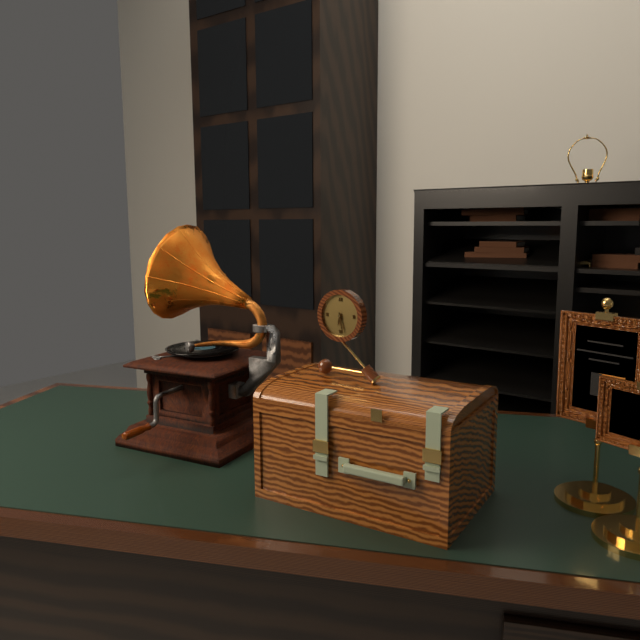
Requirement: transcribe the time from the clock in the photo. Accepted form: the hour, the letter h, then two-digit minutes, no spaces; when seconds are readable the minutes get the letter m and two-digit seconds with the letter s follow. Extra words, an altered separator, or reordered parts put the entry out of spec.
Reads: 6h28
